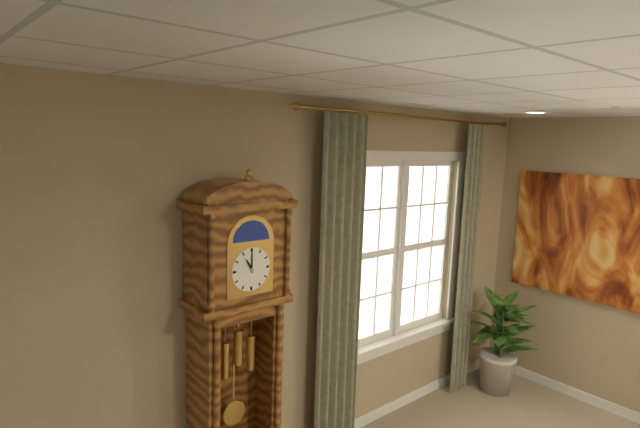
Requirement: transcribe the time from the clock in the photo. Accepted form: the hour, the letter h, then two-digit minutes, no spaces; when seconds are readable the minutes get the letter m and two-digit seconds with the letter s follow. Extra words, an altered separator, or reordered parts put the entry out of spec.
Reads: 11h00
